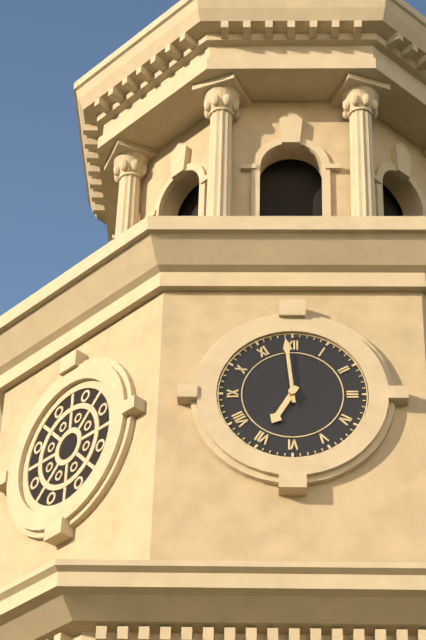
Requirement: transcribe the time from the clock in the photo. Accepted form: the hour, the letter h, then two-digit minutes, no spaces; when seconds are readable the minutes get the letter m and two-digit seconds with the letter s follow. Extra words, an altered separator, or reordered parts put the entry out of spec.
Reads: 6h59
